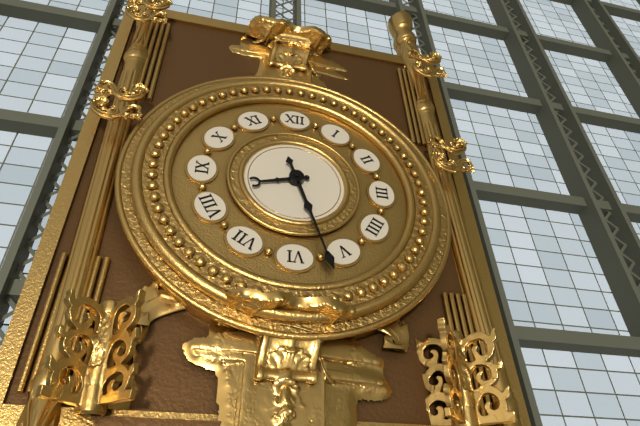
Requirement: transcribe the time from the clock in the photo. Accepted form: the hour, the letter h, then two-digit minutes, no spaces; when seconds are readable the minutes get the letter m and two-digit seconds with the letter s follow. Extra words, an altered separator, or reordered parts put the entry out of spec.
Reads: 8h27
